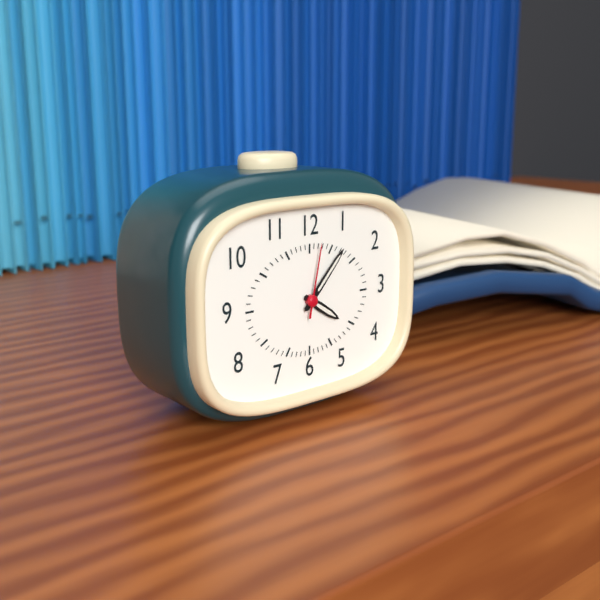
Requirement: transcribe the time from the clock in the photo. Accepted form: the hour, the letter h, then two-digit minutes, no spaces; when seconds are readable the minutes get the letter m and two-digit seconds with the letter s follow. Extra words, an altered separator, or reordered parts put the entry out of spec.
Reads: 4h07m02s
